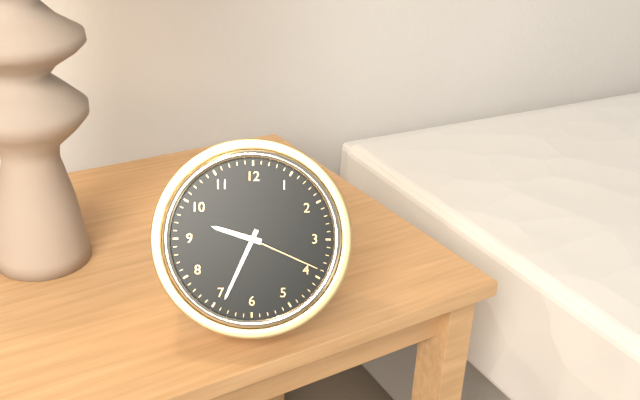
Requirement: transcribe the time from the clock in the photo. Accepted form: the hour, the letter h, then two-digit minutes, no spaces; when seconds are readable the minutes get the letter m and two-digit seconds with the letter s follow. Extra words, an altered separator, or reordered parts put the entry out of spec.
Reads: 9h34m19s
